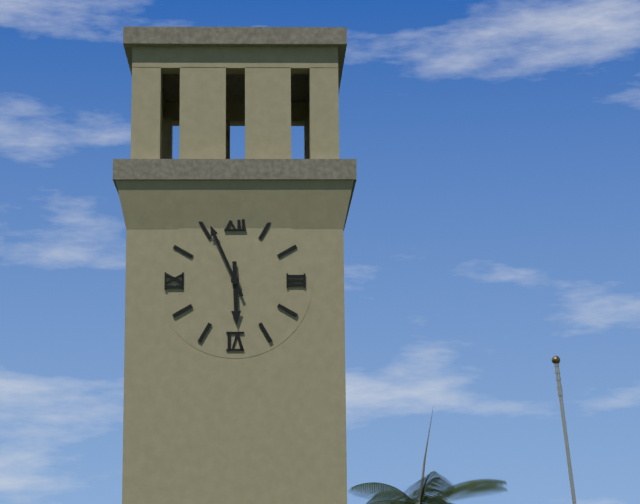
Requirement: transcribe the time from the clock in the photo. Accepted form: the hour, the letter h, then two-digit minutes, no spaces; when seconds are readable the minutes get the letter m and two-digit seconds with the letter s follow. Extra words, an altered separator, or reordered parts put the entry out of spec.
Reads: 5h56
